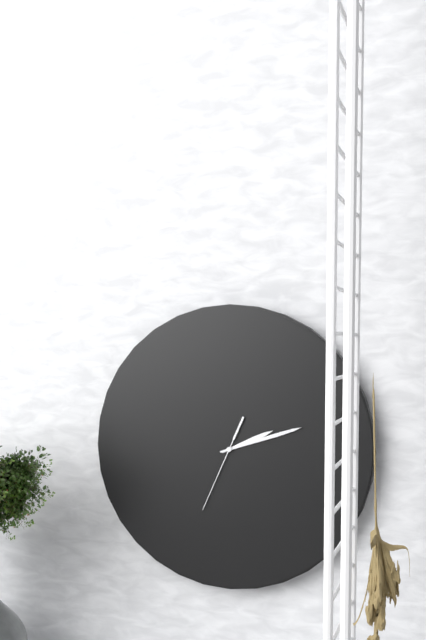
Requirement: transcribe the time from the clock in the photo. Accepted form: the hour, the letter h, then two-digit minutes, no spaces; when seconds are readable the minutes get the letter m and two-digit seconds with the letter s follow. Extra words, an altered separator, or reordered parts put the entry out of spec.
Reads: 2h12m34s
